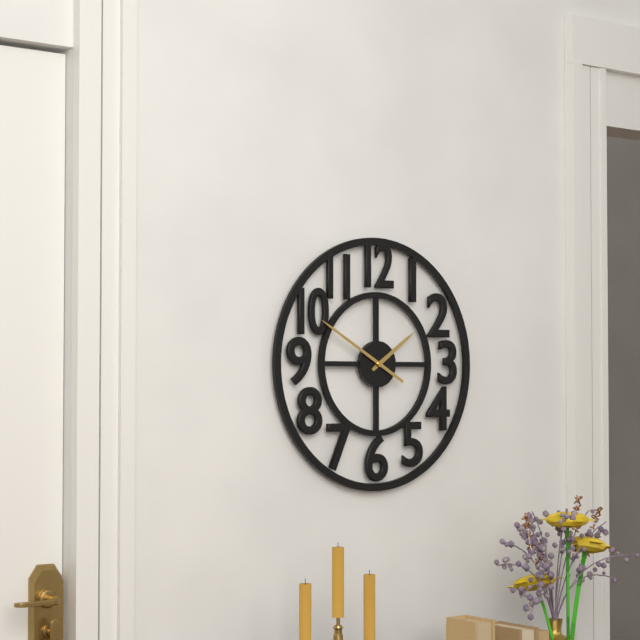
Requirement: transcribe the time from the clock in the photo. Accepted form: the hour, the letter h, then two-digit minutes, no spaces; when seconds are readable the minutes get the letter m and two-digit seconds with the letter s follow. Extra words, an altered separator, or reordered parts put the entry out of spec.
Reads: 1h50
